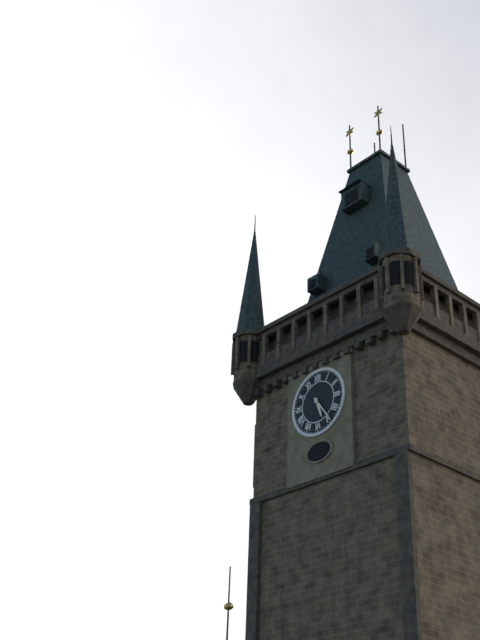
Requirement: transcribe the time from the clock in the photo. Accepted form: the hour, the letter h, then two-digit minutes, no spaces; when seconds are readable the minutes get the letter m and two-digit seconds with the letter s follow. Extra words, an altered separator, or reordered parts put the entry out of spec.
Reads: 5h24
